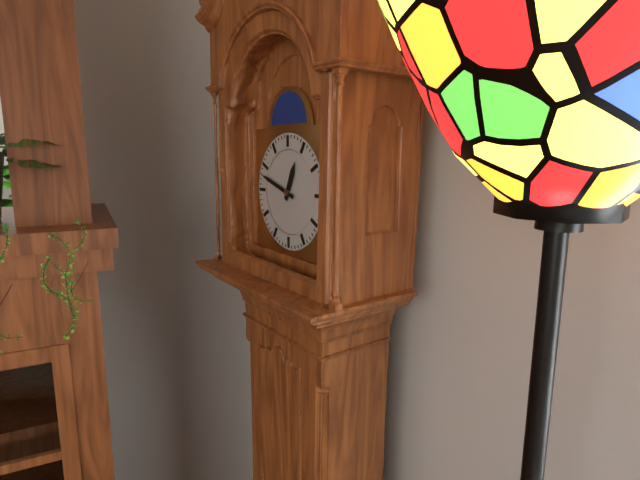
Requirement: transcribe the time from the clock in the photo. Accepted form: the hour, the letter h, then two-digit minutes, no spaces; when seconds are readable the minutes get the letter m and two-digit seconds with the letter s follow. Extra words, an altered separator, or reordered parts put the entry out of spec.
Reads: 12h48
